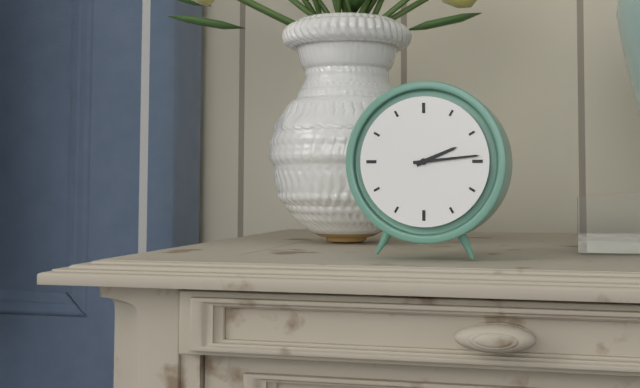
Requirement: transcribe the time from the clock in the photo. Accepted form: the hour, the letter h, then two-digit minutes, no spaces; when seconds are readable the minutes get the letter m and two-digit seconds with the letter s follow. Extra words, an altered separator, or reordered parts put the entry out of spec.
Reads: 2h14
